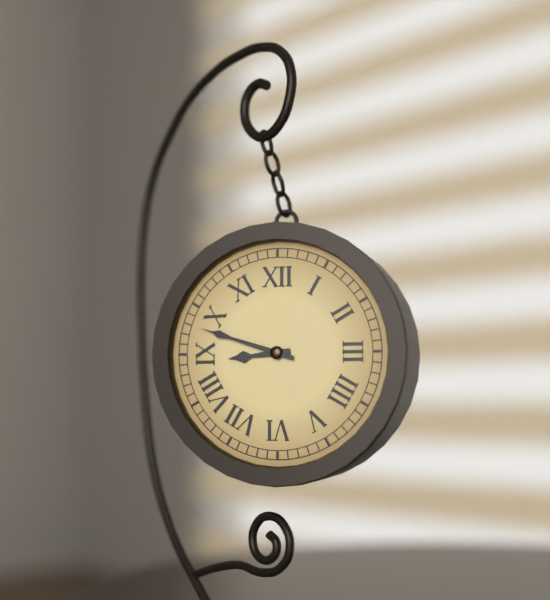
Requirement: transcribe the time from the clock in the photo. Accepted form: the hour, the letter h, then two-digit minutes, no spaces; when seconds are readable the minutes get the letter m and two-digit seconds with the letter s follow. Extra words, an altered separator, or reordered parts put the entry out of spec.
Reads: 8h48
